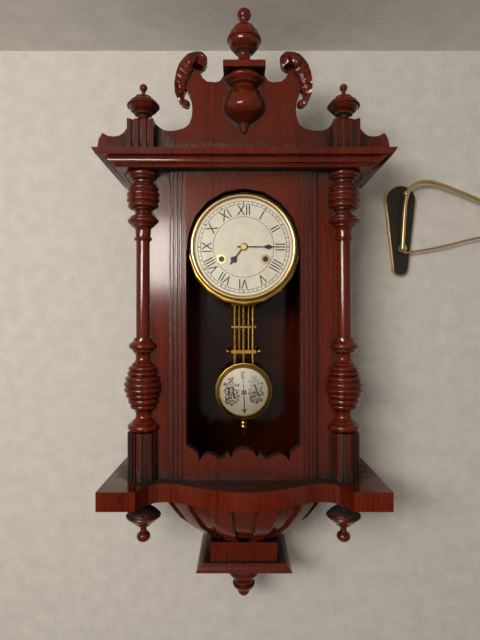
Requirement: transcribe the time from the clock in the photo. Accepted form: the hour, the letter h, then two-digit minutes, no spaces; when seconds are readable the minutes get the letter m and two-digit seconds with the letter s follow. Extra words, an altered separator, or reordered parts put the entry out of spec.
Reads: 7h15
